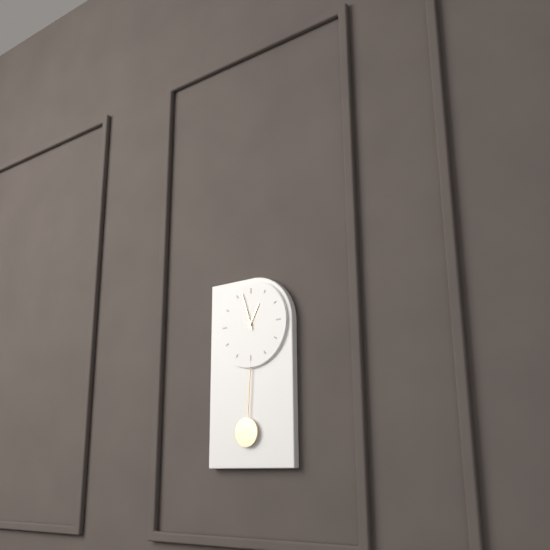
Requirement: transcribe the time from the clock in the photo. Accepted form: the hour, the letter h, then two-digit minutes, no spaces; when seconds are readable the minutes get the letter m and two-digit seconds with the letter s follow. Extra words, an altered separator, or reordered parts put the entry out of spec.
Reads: 12h57
